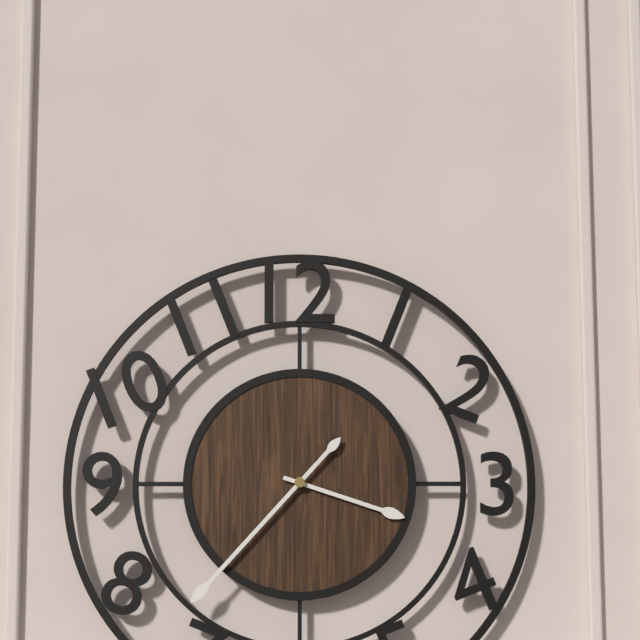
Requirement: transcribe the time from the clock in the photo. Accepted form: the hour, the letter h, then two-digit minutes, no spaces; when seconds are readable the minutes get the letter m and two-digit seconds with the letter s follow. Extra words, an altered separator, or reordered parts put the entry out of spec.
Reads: 3h37
